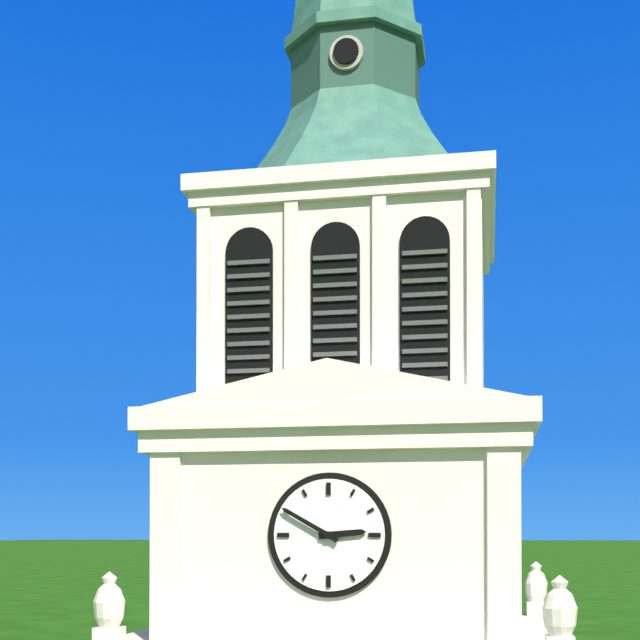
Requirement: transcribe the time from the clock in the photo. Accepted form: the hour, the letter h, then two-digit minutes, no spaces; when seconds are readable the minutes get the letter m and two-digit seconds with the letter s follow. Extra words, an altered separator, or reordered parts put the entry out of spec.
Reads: 2h50
